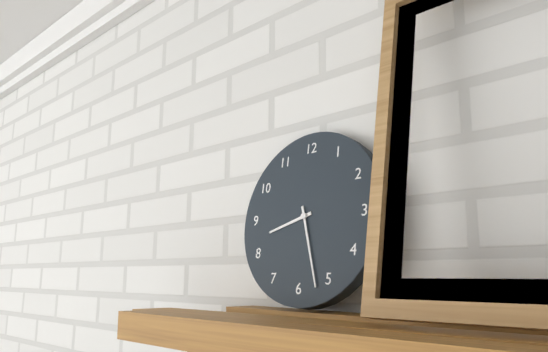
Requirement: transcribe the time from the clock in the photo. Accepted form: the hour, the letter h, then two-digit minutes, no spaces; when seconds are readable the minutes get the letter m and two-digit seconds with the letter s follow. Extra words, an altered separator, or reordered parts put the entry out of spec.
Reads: 8h27
